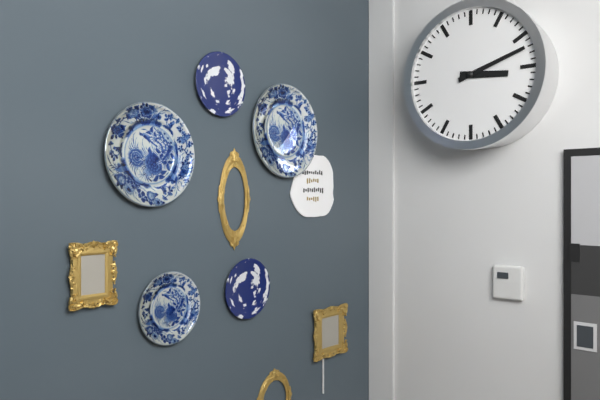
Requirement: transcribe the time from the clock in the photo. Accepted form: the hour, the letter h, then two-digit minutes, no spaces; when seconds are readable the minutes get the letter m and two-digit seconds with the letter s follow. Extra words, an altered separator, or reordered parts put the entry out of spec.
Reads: 3h12
